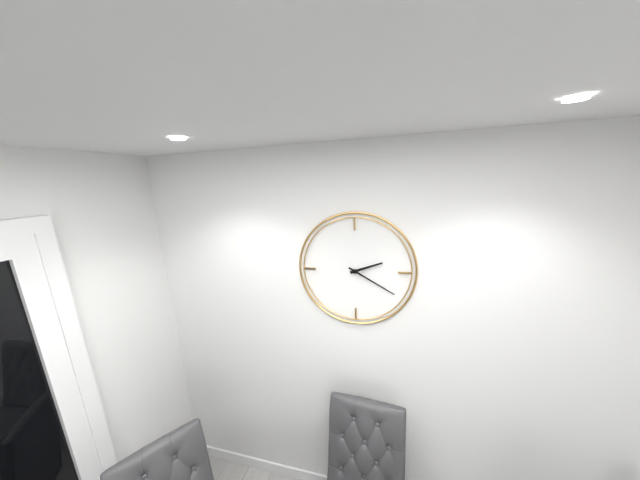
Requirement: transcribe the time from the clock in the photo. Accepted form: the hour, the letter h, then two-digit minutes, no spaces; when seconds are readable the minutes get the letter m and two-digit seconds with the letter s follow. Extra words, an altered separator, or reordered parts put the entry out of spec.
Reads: 2h20
